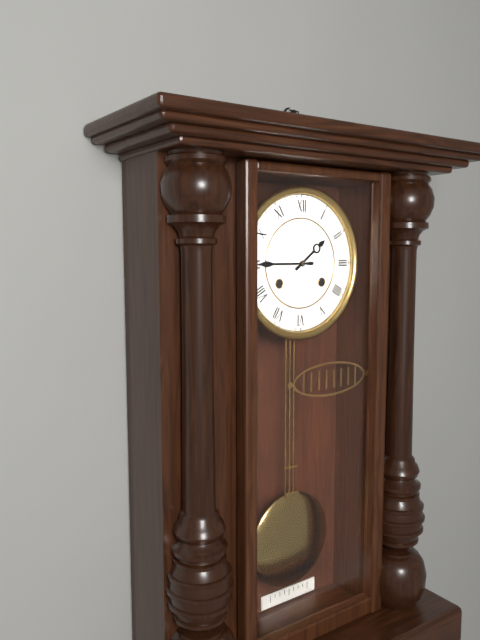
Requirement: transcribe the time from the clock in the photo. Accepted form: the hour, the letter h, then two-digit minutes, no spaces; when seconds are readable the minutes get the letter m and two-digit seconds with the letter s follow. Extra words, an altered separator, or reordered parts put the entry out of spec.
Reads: 1h45
